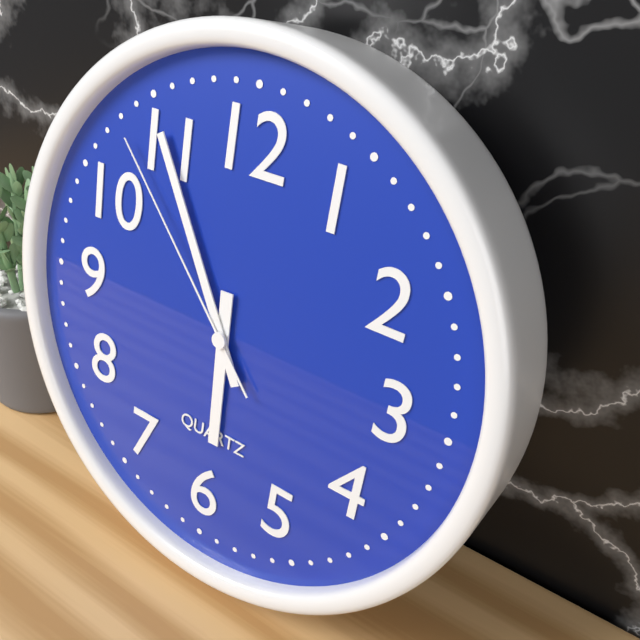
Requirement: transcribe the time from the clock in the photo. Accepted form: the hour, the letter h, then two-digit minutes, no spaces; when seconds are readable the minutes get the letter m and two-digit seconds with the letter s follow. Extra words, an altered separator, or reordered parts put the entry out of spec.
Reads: 5h55m53s
